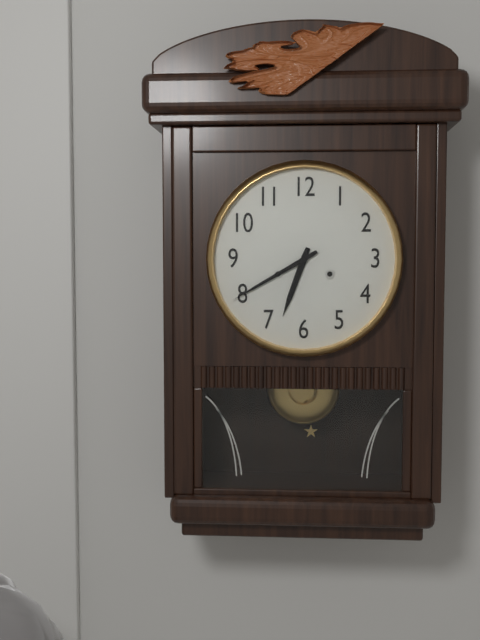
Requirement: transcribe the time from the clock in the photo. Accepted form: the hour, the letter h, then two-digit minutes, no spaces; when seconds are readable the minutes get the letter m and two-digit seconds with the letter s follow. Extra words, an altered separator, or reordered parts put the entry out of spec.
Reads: 6h40
